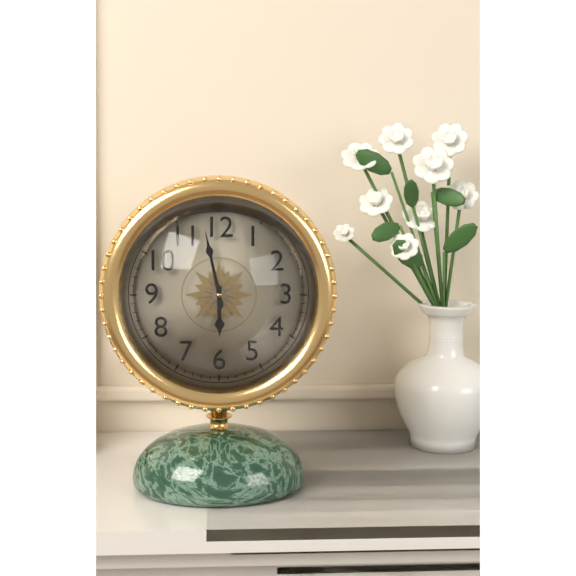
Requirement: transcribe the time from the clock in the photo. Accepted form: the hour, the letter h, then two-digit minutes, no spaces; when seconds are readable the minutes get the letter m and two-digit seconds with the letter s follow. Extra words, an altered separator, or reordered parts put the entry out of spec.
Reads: 5h58
